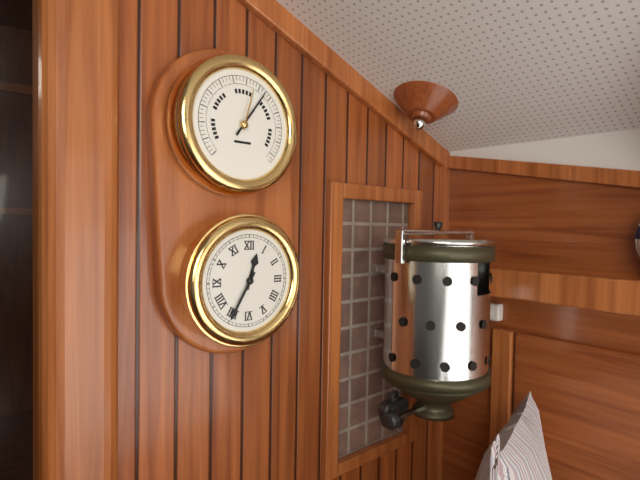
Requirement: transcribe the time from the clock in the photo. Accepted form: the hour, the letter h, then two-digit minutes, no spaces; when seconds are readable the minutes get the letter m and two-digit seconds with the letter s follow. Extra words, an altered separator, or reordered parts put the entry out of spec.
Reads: 12h35
